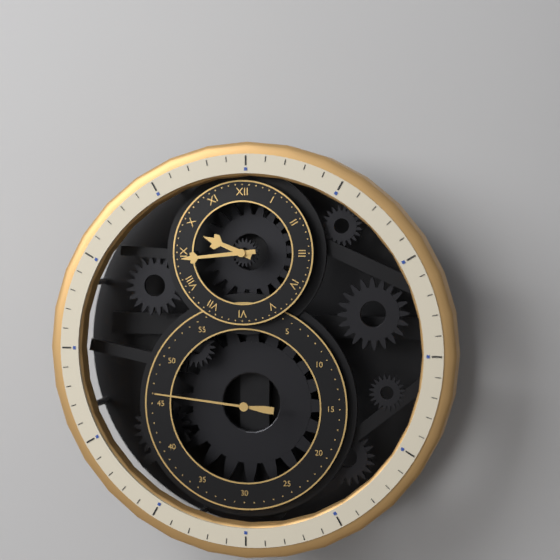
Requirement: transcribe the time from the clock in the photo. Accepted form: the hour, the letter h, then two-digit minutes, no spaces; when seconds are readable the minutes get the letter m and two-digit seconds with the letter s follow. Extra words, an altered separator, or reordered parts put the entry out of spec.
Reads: 9h44m46s
